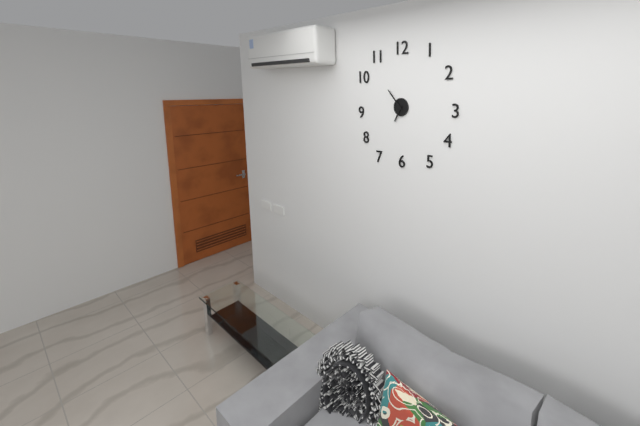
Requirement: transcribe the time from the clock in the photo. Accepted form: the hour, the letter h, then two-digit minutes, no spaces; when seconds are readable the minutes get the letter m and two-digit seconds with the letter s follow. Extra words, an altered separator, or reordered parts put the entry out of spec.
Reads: 6h53
